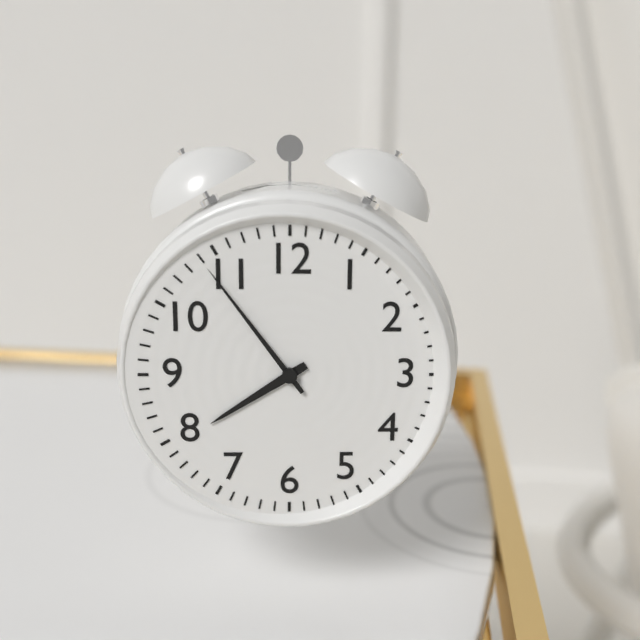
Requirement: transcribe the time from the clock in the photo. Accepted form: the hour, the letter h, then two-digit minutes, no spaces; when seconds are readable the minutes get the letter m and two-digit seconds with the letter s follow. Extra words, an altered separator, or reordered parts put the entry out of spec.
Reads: 7h54
